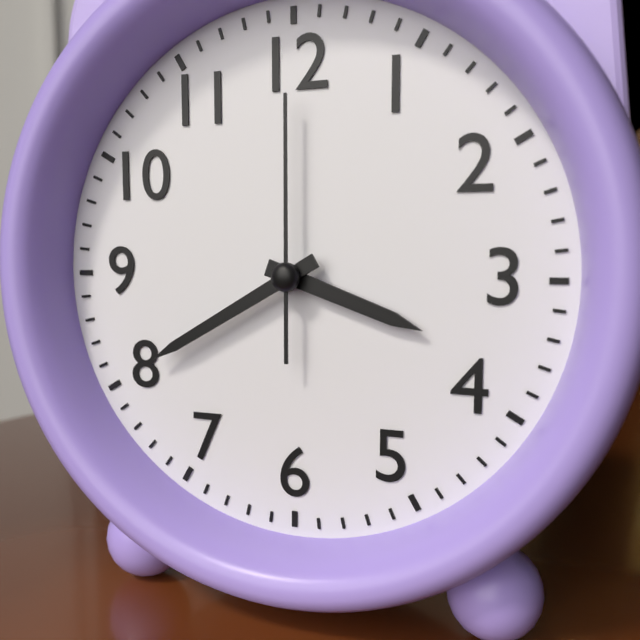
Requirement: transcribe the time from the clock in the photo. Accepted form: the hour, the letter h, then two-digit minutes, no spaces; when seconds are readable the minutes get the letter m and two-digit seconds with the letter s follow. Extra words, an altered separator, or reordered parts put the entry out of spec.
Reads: 3h40m00s
